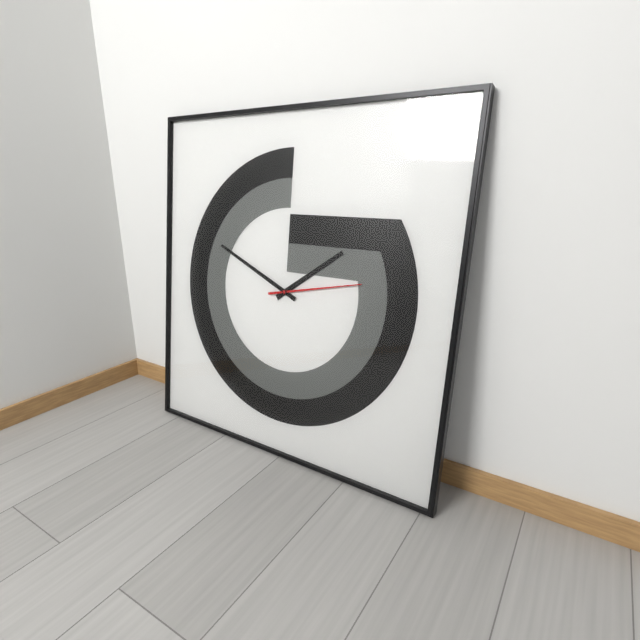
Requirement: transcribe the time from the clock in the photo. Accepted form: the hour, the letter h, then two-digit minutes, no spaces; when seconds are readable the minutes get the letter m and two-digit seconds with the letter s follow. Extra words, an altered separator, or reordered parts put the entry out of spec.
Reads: 1h49m13s
